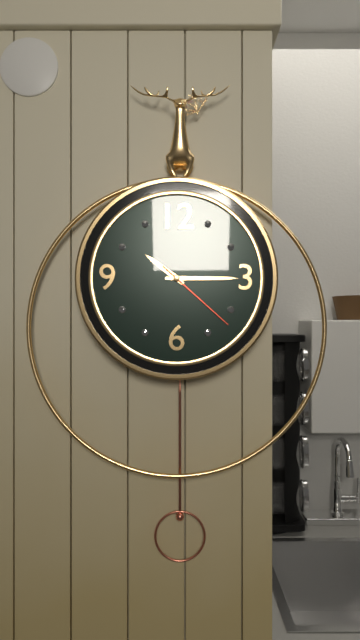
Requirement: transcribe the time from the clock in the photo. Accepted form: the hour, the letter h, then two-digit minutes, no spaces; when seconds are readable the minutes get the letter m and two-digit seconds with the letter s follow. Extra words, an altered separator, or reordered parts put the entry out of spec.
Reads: 10h15m22s
